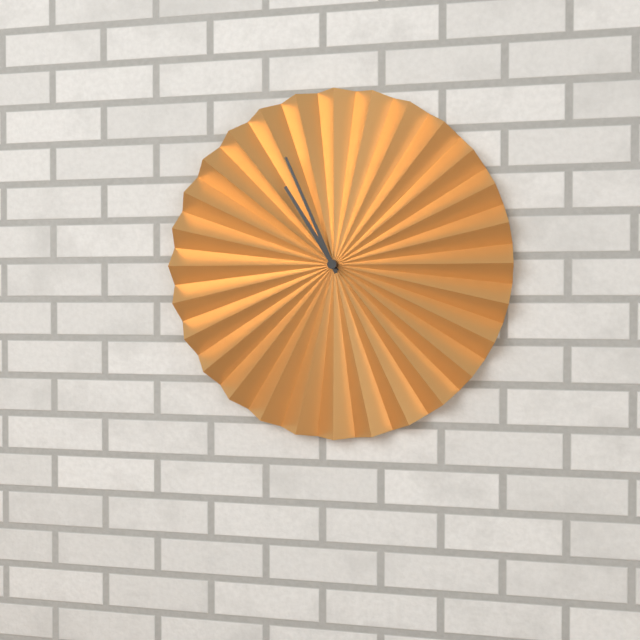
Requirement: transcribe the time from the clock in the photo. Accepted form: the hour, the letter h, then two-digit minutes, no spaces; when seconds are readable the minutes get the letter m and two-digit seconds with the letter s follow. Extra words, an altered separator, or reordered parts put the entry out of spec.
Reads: 10h56
